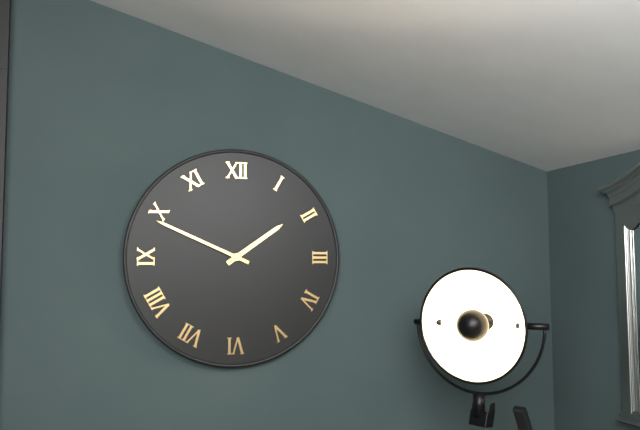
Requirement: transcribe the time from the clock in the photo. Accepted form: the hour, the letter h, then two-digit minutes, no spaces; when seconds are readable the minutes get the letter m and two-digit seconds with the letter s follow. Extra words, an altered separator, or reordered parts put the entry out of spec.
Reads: 1h49
